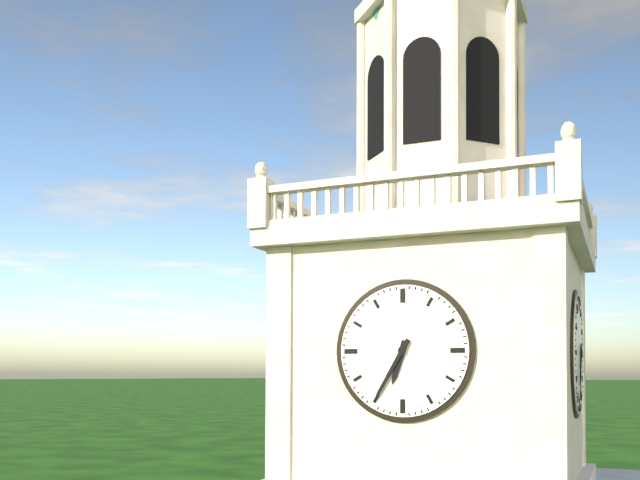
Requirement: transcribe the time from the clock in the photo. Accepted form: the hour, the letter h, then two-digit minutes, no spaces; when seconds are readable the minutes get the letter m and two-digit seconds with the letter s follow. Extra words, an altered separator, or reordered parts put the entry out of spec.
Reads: 6h35
